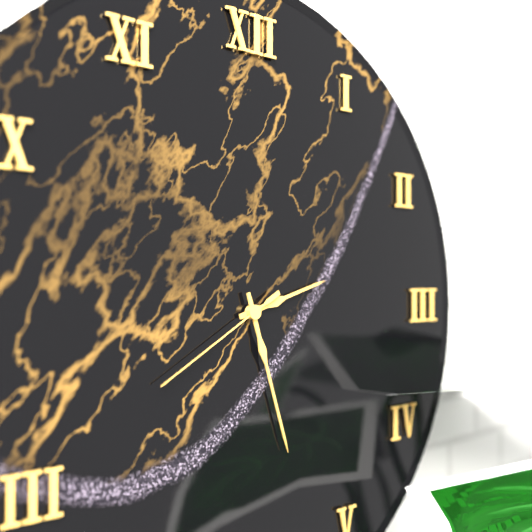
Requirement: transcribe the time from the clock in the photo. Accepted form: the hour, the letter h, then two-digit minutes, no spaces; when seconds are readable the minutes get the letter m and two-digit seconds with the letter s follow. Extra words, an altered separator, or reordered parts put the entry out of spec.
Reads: 2h27m40s
